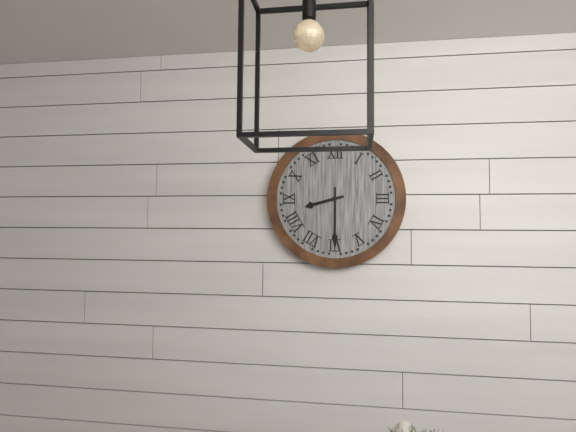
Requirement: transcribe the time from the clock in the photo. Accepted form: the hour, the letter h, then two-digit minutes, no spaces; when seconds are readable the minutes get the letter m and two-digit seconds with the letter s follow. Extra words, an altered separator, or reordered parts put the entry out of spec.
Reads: 8h30
